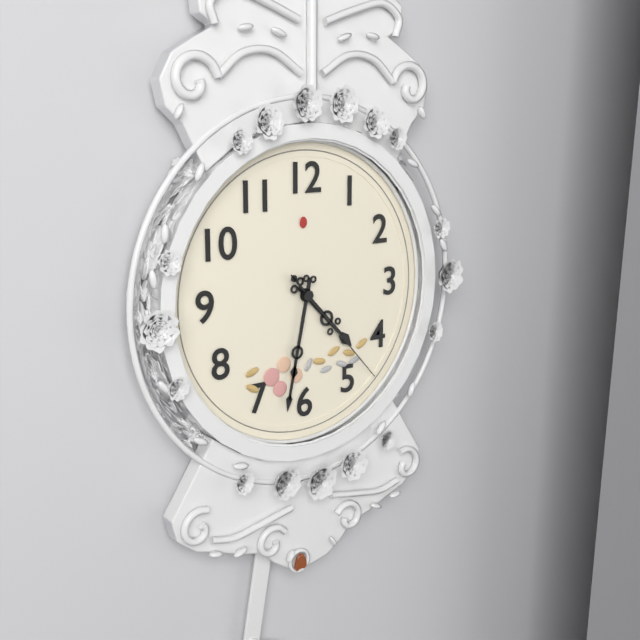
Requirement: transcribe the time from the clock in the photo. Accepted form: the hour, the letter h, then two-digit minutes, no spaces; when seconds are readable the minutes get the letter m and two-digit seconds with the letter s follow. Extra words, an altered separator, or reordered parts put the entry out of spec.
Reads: 4h32m23s
